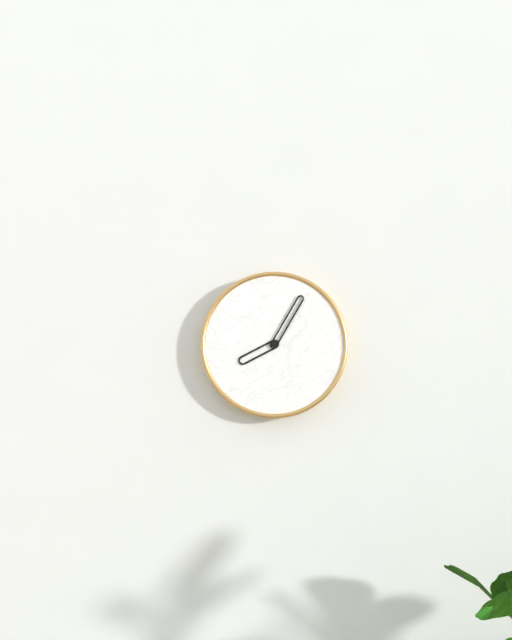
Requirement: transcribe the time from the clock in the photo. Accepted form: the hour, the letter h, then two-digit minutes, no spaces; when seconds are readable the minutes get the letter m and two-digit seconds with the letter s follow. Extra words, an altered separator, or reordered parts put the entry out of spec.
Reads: 8h05
